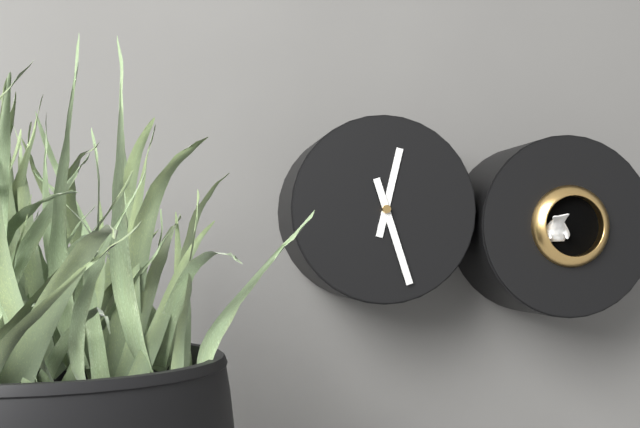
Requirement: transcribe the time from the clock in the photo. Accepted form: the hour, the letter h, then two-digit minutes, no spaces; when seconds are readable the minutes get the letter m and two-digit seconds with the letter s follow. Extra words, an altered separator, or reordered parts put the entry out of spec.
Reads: 12h27
